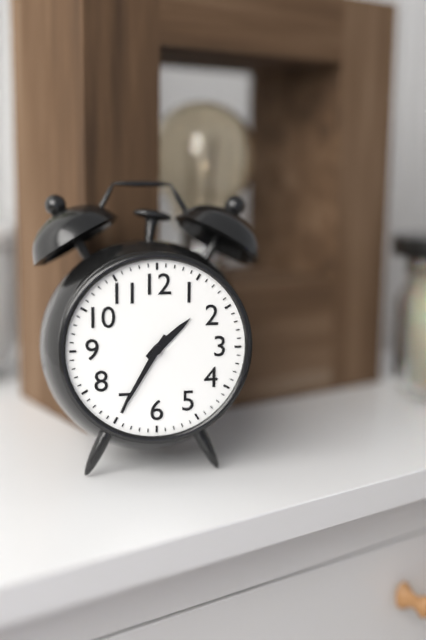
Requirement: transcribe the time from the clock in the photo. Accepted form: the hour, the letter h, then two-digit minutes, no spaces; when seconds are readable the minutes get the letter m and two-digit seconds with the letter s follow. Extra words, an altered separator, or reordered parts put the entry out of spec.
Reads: 1h35
